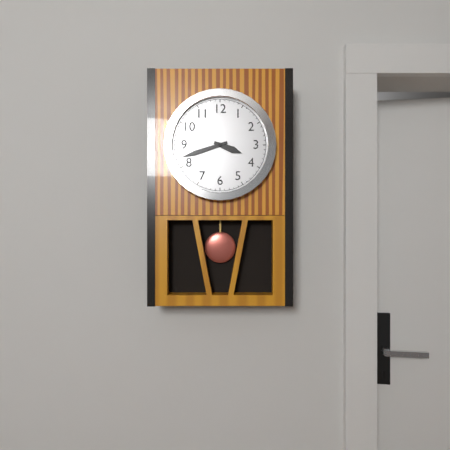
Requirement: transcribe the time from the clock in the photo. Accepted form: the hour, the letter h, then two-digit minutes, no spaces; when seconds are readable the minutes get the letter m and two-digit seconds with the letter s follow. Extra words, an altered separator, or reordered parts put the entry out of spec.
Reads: 3h42
